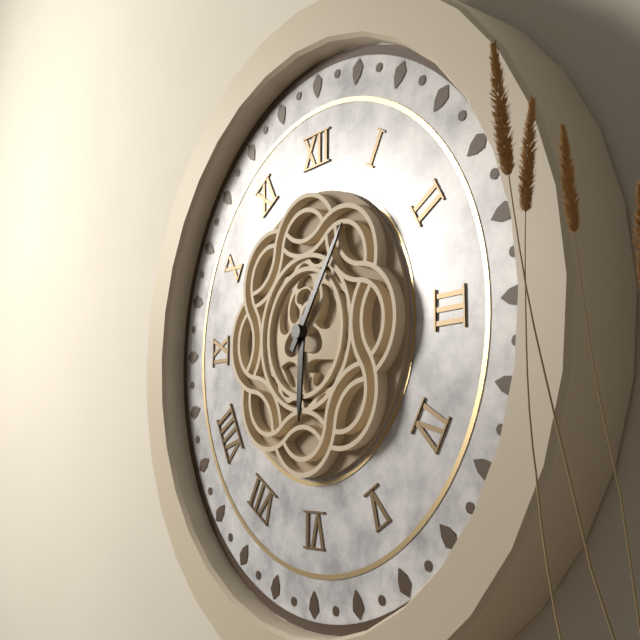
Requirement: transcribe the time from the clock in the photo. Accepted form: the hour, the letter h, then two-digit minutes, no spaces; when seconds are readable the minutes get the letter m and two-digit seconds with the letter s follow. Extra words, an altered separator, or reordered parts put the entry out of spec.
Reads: 6h06
